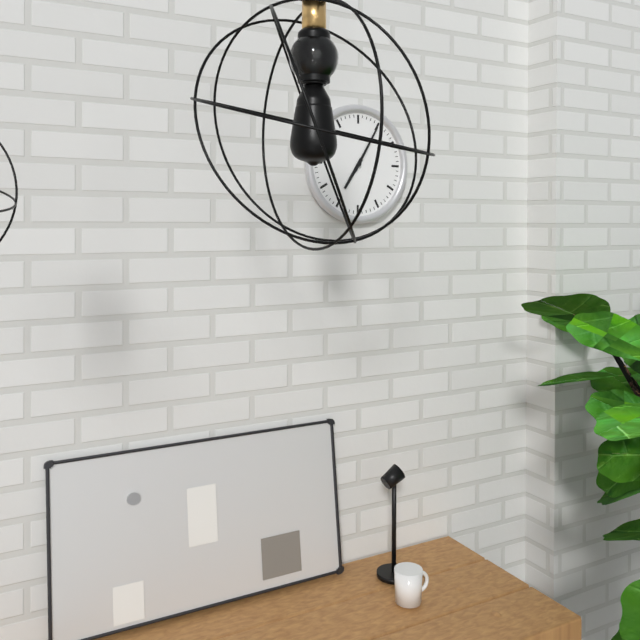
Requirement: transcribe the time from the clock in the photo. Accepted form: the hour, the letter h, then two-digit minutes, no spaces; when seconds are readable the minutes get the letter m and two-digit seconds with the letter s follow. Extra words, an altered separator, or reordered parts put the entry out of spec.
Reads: 7h05
